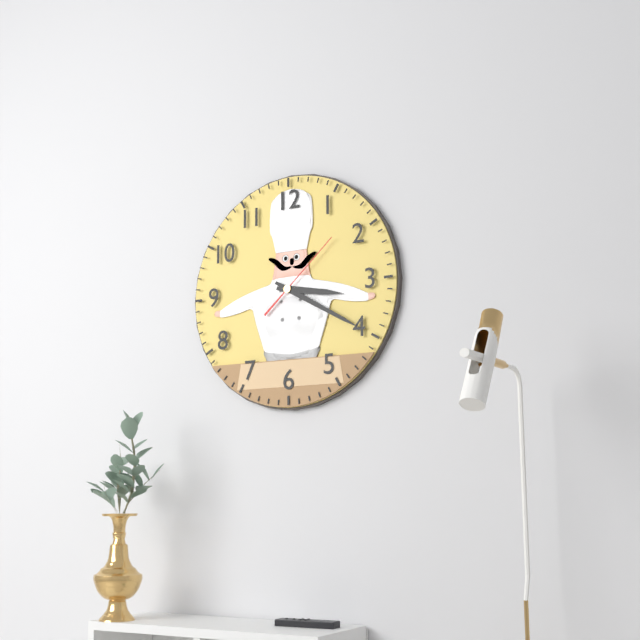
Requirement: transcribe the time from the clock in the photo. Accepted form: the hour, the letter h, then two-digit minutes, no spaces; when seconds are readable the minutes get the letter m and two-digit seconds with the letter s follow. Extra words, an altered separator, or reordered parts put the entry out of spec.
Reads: 3h20m08s
